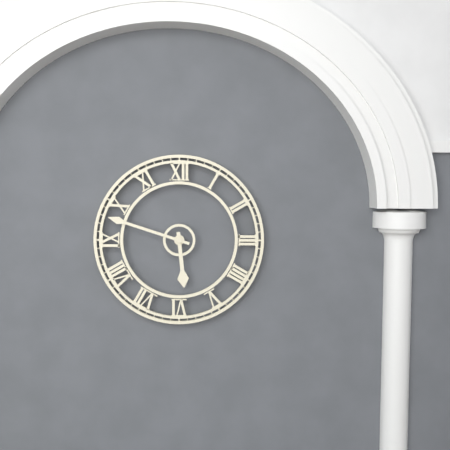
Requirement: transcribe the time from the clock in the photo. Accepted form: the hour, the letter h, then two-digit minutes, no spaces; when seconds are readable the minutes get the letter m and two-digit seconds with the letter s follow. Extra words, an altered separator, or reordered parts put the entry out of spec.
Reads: 5h48
